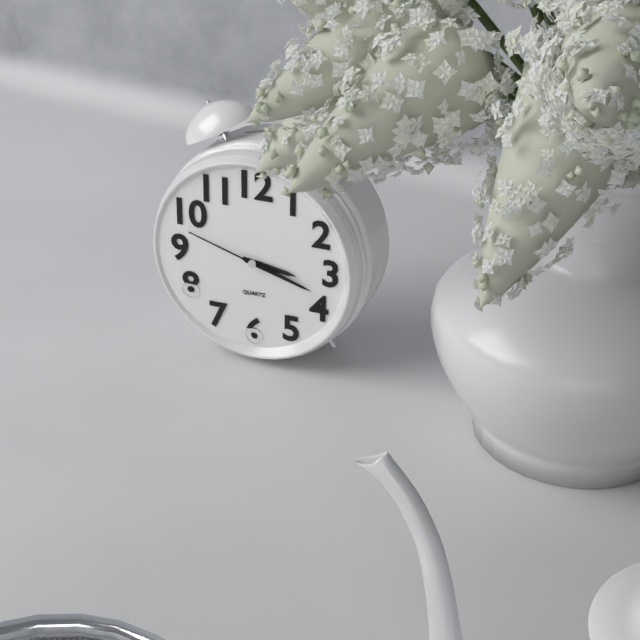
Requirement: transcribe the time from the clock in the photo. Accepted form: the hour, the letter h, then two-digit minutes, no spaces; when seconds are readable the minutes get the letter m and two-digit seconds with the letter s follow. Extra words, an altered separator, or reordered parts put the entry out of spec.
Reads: 3h18m48s
